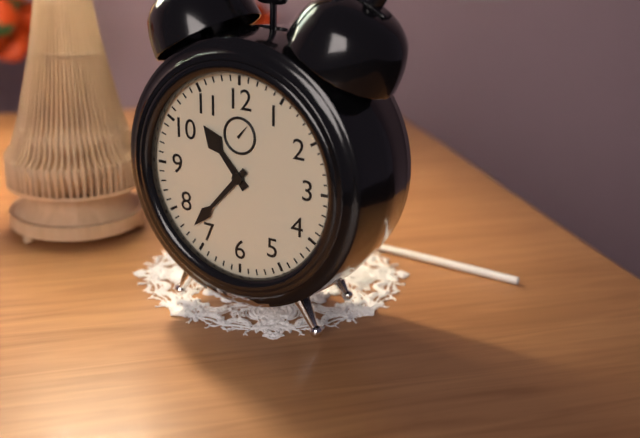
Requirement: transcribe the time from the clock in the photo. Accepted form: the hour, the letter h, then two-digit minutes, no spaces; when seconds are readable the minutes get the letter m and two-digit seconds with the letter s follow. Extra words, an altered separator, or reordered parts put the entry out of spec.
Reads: 10h37
